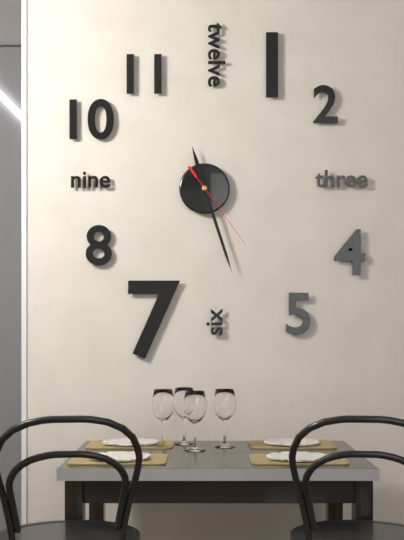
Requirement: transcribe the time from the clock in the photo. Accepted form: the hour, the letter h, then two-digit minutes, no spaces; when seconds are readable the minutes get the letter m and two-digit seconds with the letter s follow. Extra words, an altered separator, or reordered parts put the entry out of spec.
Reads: 11h27m24s
